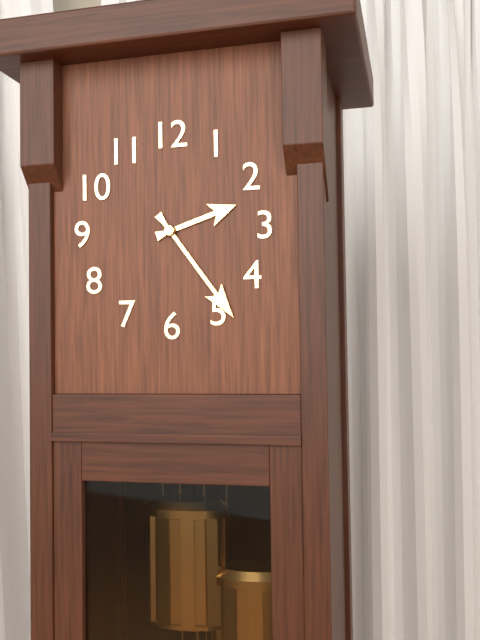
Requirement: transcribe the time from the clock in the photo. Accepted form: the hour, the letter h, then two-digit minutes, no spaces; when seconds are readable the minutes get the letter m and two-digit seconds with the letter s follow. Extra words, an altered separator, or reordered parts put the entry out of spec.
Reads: 2h24
